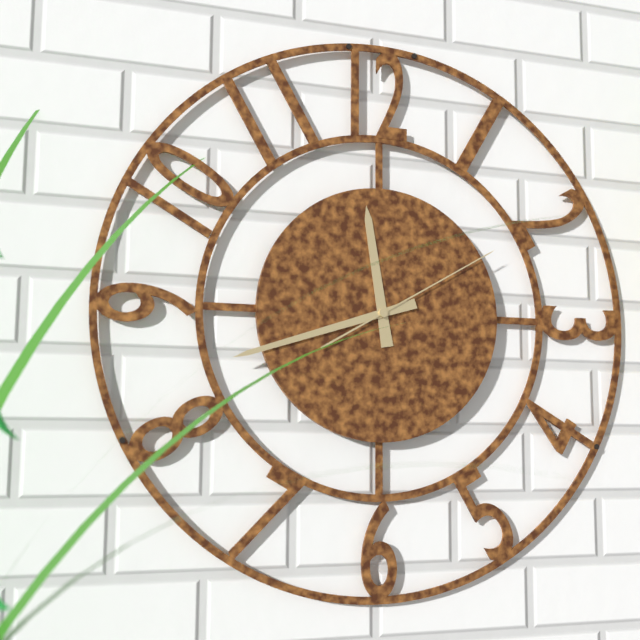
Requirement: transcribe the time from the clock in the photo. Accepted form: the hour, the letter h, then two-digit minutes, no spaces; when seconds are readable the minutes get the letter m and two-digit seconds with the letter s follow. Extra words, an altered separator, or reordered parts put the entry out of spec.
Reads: 11h42m10s
